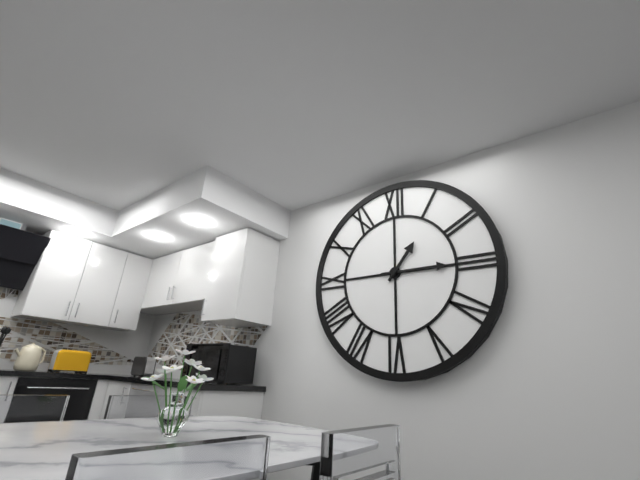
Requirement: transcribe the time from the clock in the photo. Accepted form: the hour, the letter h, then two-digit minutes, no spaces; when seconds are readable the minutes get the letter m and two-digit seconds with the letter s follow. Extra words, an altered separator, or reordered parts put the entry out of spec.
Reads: 1h15
